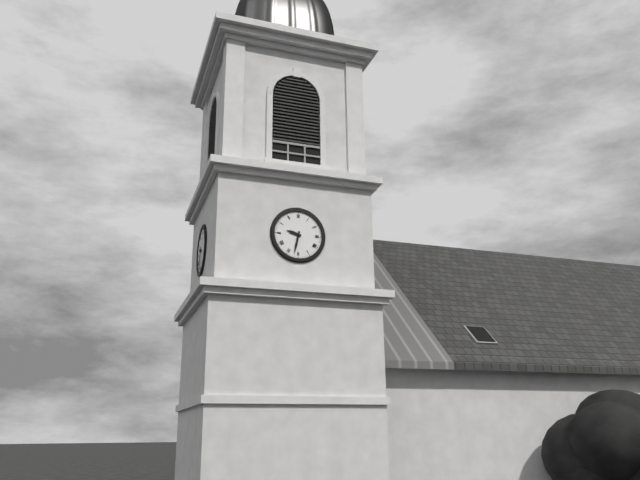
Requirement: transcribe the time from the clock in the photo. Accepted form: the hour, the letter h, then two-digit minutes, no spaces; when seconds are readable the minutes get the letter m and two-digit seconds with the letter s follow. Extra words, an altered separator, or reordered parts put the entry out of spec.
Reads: 9h32
